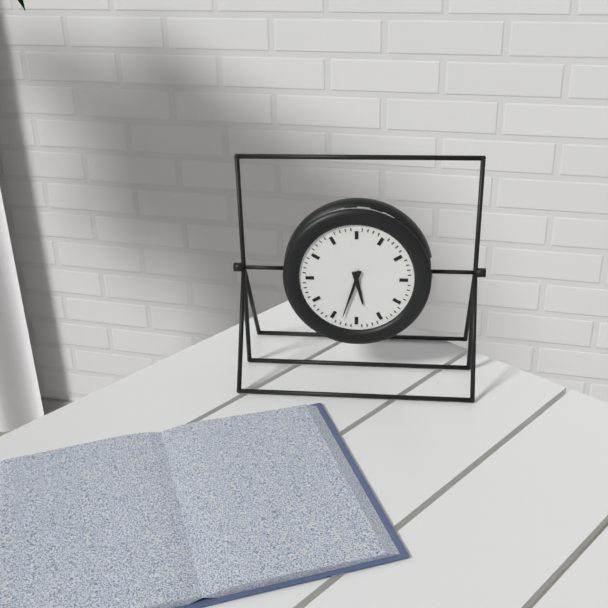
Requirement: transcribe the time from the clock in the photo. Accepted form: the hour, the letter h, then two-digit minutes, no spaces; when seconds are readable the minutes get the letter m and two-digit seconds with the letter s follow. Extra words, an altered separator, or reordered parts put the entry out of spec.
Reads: 5h33
